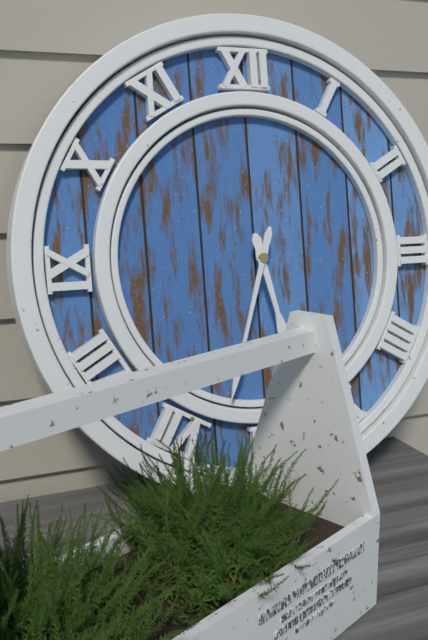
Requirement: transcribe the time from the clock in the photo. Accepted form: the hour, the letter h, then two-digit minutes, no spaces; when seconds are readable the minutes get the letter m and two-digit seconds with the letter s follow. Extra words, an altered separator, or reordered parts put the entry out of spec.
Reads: 5h33
